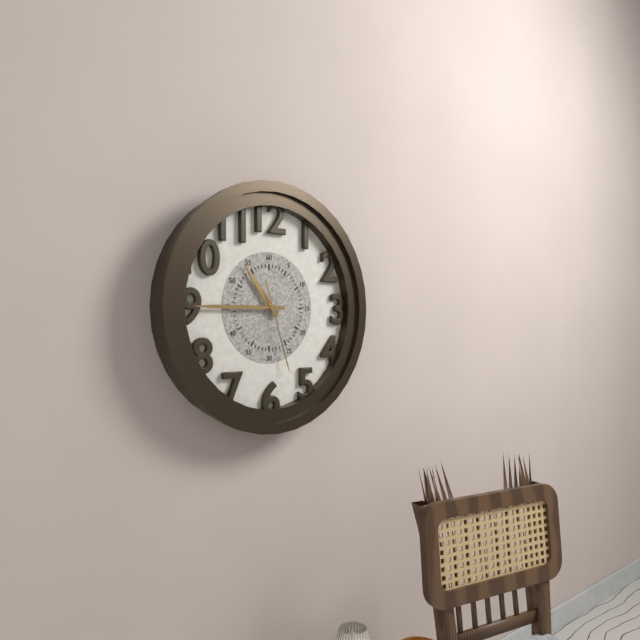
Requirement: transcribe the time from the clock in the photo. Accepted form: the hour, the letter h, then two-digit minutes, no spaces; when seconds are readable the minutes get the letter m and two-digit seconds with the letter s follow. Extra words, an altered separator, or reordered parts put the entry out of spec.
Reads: 10h45m27s
